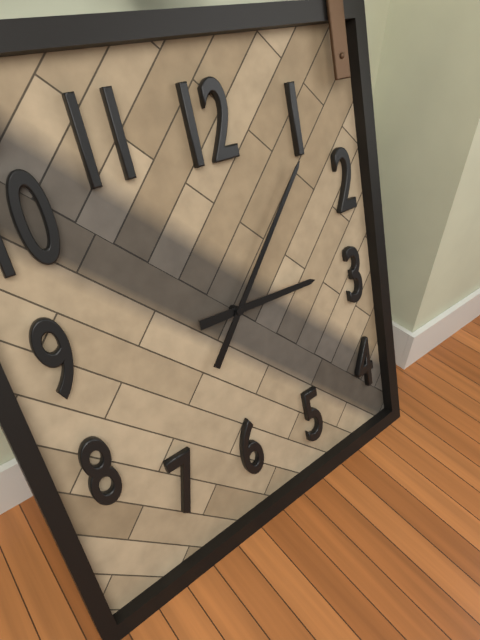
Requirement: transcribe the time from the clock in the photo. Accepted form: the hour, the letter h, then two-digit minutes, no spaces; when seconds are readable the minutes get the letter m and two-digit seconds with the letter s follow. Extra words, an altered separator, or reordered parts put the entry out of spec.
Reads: 3h07
